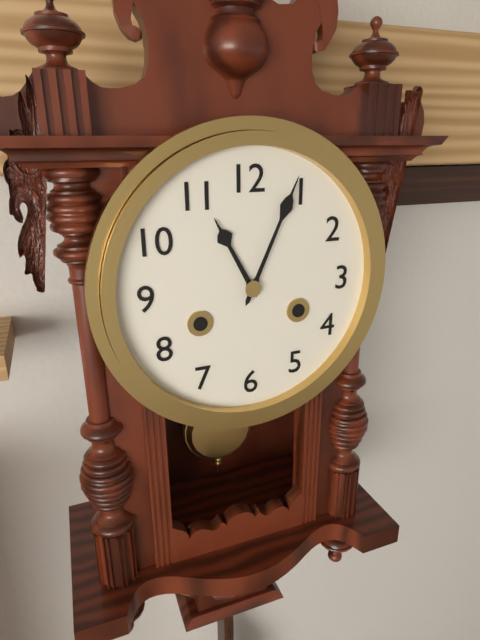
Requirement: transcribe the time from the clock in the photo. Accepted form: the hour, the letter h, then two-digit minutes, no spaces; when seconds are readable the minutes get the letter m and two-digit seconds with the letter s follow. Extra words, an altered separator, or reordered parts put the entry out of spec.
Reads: 11h04
